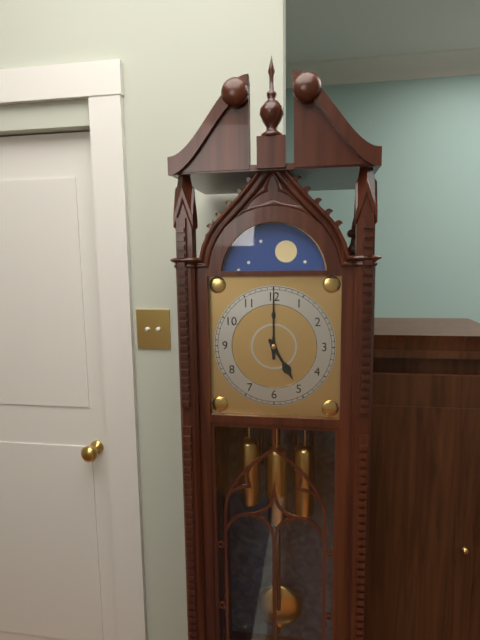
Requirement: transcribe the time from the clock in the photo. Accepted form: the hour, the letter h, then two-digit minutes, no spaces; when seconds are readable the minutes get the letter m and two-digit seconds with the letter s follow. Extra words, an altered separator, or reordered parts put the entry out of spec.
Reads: 5h00
